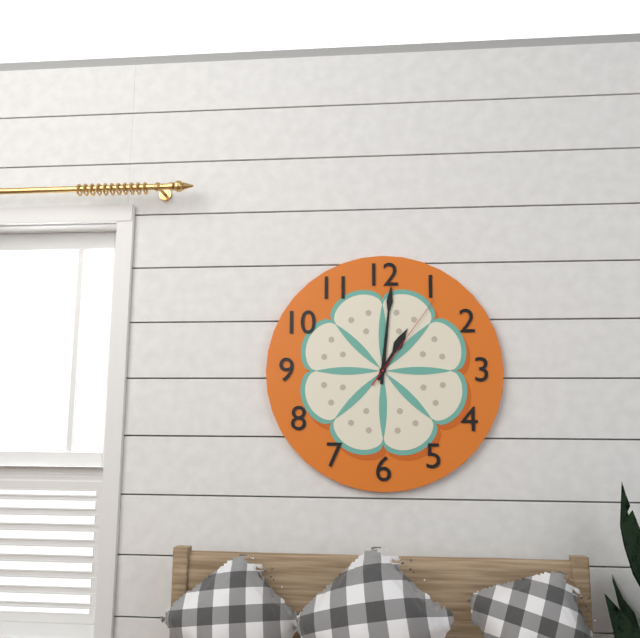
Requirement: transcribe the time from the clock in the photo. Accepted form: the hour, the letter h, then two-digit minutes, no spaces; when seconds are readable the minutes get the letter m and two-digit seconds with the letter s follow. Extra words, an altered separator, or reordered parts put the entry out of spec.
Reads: 1h01m06s
